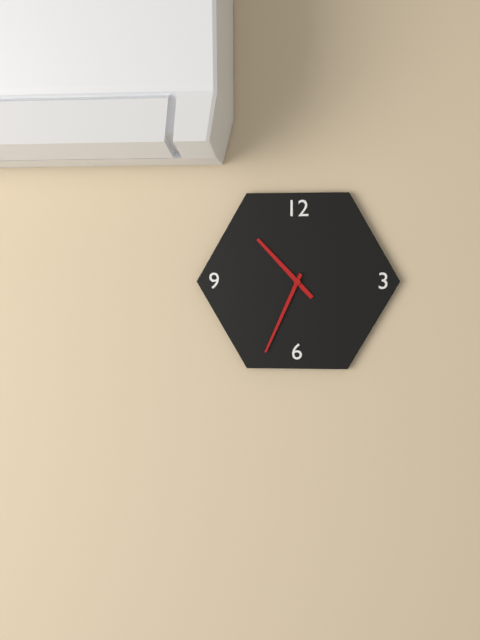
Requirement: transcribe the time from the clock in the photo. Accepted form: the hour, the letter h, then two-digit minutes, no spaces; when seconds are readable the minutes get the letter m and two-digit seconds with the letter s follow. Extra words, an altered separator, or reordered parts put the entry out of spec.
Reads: 10h34
